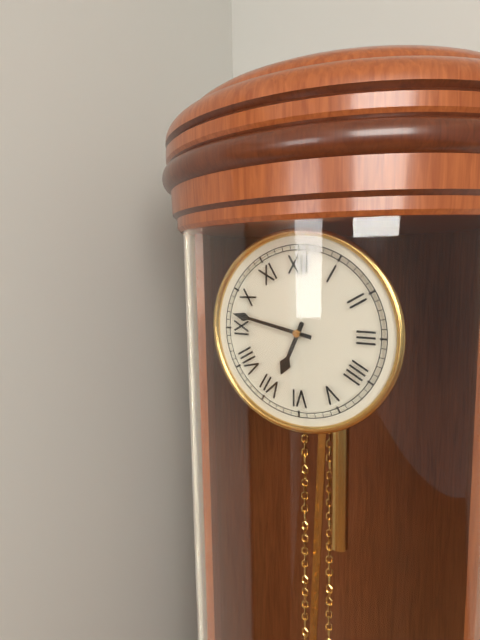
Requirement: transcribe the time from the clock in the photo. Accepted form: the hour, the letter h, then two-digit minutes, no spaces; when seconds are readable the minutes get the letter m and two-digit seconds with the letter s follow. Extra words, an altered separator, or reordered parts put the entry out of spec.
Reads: 6h47
